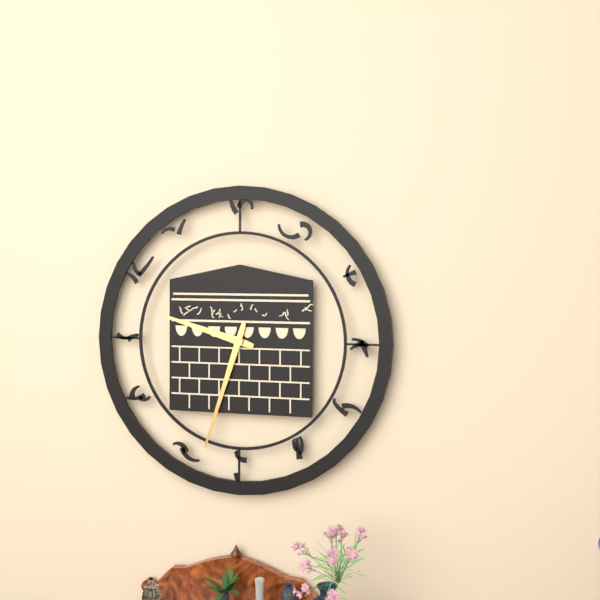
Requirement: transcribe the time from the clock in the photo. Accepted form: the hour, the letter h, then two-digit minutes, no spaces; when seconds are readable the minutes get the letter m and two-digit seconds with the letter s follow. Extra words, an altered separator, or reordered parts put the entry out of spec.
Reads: 9h33
